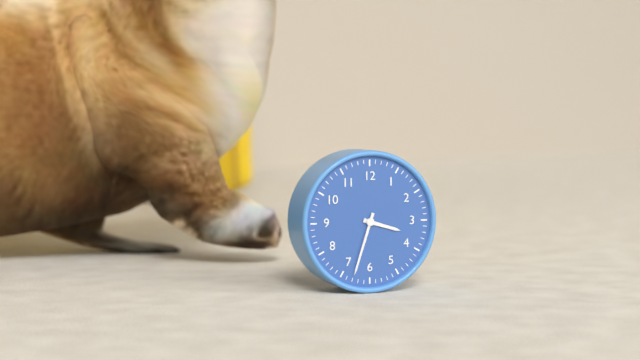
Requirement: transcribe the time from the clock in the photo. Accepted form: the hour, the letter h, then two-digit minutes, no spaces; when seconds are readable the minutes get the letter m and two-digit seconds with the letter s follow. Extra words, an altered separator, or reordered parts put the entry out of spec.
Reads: 3h33
